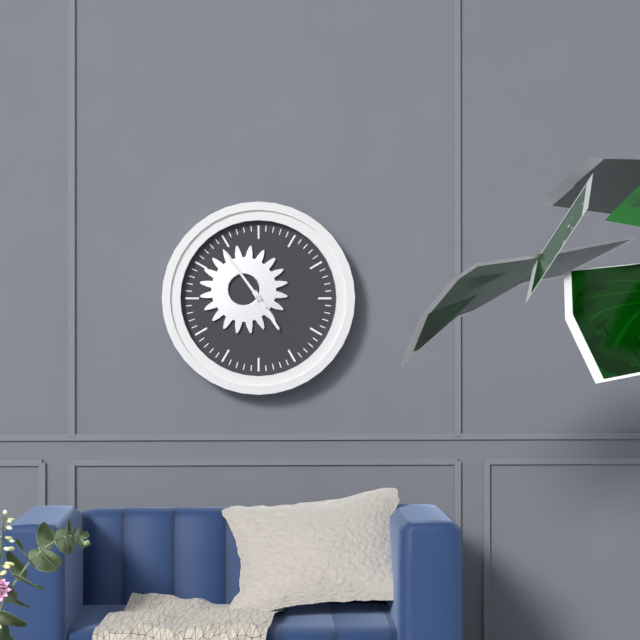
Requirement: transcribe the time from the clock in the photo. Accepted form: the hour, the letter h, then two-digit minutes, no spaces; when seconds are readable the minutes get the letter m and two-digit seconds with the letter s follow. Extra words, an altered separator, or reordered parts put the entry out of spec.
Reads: 4h54
